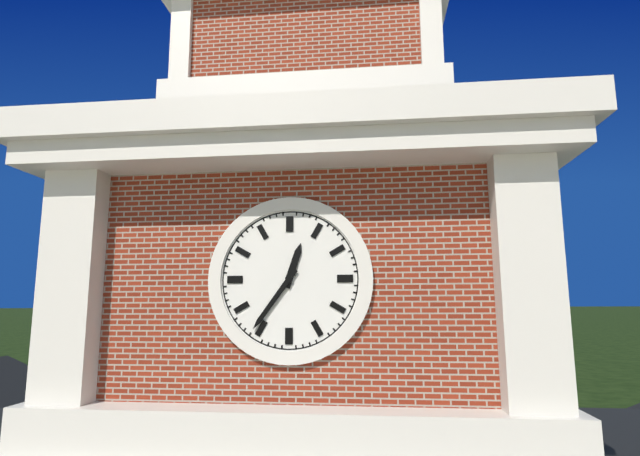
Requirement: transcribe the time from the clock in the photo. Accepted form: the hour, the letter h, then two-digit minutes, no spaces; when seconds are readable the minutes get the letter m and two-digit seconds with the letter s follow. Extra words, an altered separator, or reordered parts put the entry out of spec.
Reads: 12h36
